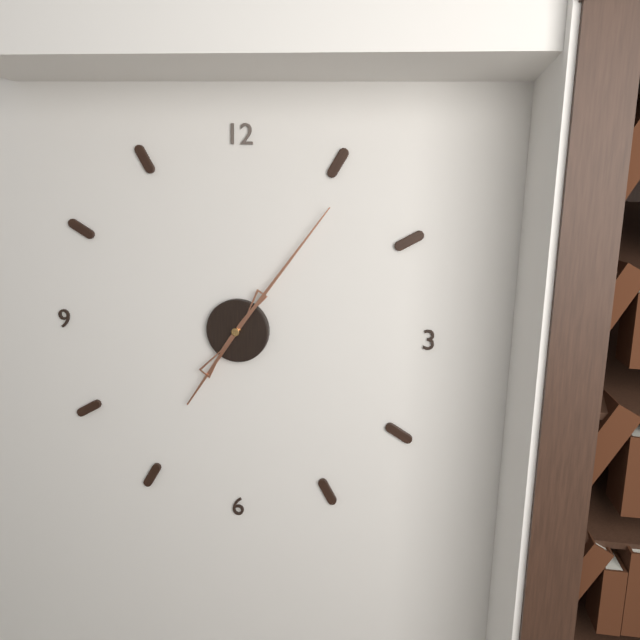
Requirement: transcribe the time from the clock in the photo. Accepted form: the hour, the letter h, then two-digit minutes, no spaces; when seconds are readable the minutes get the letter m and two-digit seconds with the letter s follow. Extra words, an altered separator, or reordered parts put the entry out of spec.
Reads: 7h06
